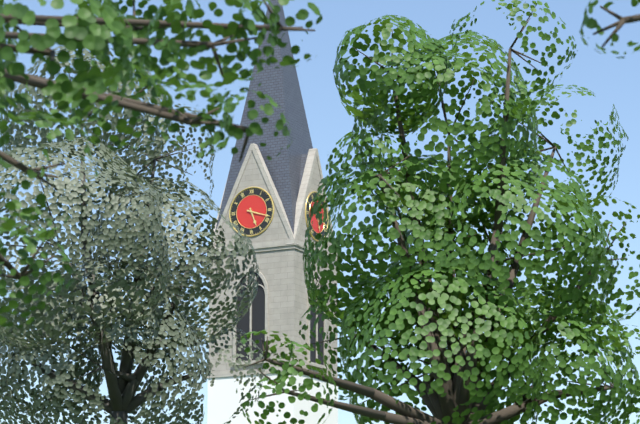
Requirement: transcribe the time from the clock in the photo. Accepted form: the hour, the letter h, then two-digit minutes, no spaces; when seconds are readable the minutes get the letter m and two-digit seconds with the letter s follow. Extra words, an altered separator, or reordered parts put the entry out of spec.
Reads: 5h18
